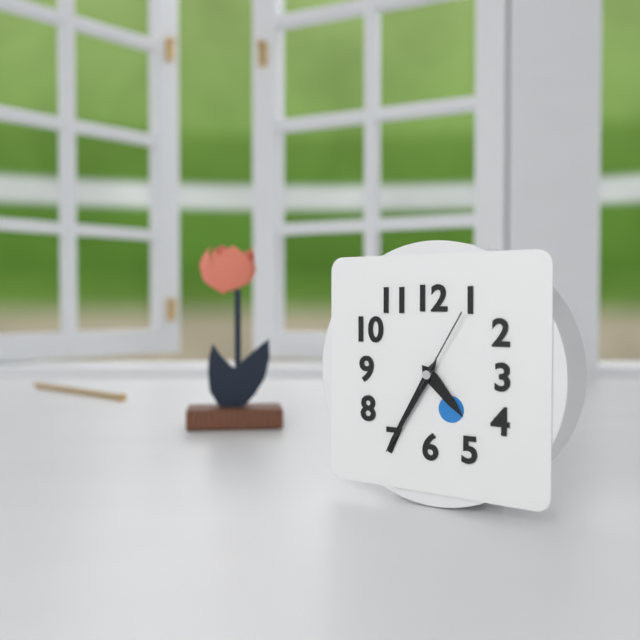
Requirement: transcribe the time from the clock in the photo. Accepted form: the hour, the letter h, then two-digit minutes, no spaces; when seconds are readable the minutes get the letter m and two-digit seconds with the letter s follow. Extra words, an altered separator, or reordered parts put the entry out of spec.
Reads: 4h35m05s
